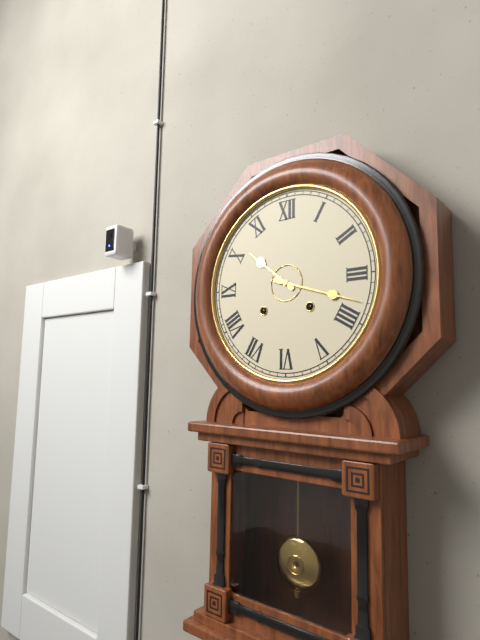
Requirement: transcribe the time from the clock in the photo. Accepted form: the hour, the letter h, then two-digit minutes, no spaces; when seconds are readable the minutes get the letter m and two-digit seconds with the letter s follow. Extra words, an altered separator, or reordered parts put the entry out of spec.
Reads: 10h18
